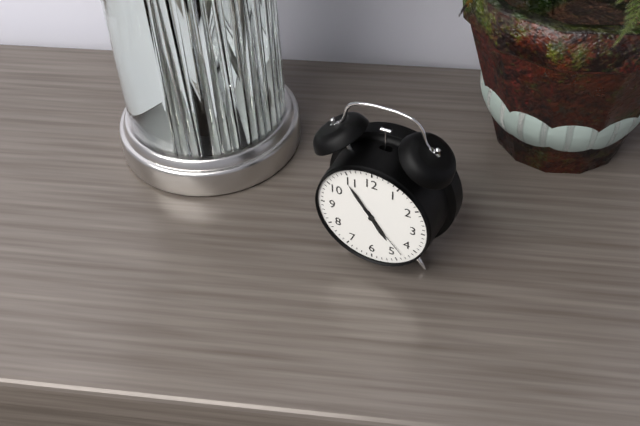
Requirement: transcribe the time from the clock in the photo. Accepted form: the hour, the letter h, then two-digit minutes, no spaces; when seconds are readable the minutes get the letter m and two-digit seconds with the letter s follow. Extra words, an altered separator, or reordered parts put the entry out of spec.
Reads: 4h54m23s
